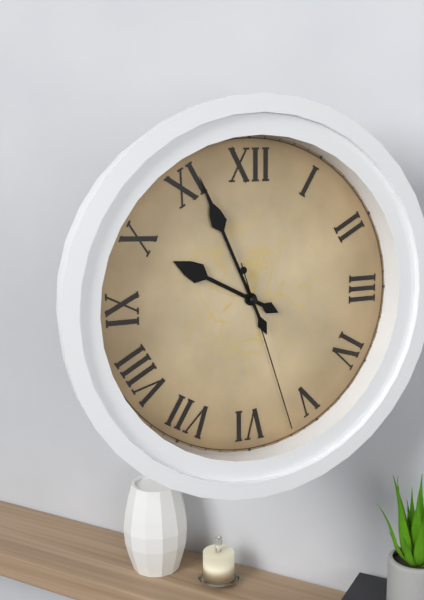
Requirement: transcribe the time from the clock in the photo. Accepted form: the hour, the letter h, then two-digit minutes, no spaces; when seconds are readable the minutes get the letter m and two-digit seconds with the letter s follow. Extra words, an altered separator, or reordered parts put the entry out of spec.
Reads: 9h56m27s
